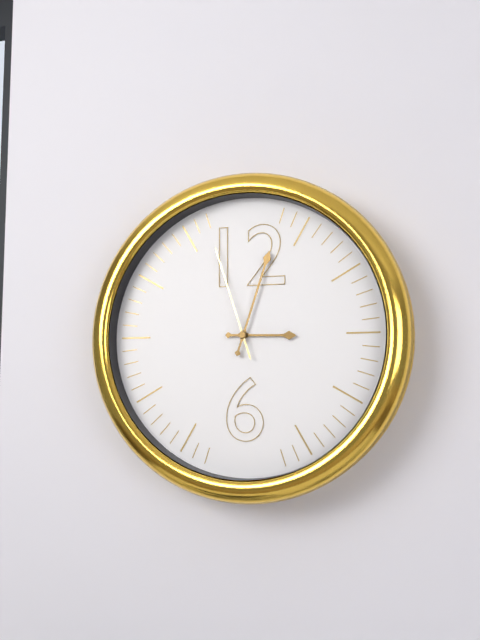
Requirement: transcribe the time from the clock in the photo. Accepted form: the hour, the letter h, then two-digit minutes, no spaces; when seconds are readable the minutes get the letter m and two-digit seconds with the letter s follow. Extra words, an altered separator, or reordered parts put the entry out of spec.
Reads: 3h03m57s
